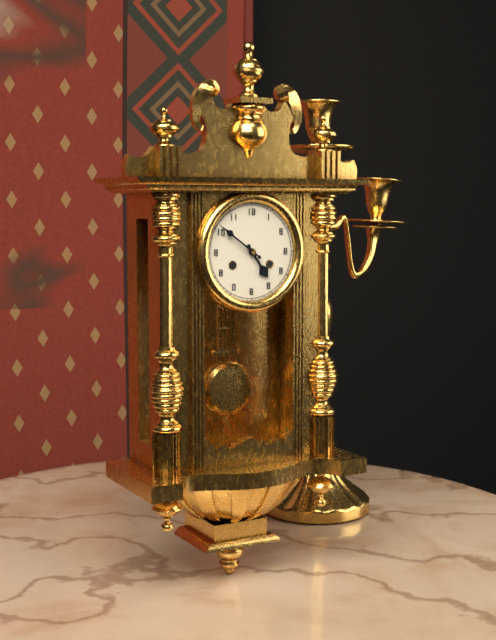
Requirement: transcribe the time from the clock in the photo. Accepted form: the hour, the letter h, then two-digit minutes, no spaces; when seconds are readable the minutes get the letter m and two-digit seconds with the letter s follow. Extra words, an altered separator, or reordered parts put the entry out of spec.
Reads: 4h51
